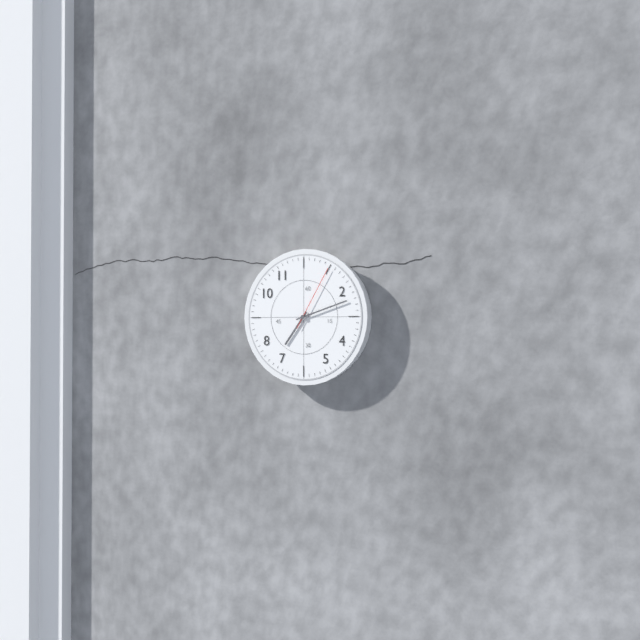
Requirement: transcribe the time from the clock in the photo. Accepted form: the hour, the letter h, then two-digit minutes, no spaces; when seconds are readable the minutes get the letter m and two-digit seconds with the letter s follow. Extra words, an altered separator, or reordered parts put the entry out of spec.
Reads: 7h12m05s
